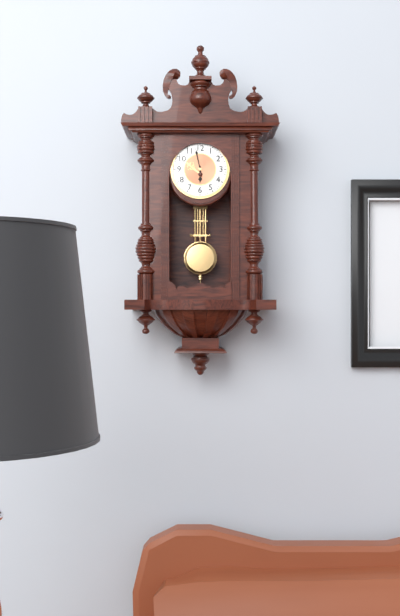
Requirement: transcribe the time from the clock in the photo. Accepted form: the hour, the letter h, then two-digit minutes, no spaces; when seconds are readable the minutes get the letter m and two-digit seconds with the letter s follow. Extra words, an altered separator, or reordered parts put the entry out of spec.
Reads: 5h58
